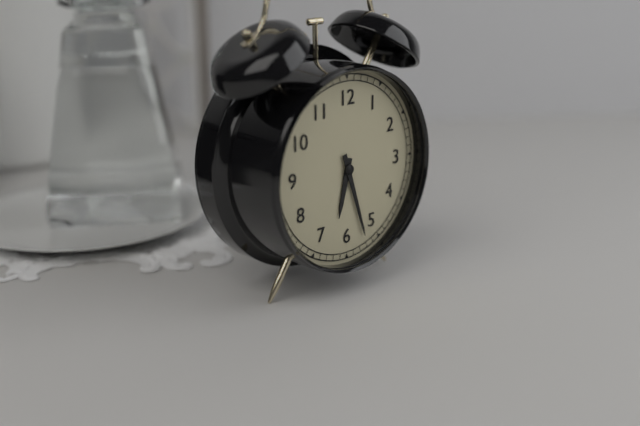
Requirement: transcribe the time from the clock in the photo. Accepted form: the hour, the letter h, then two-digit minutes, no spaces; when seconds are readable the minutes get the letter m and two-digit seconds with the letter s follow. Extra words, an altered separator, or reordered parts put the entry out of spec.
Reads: 6h27
